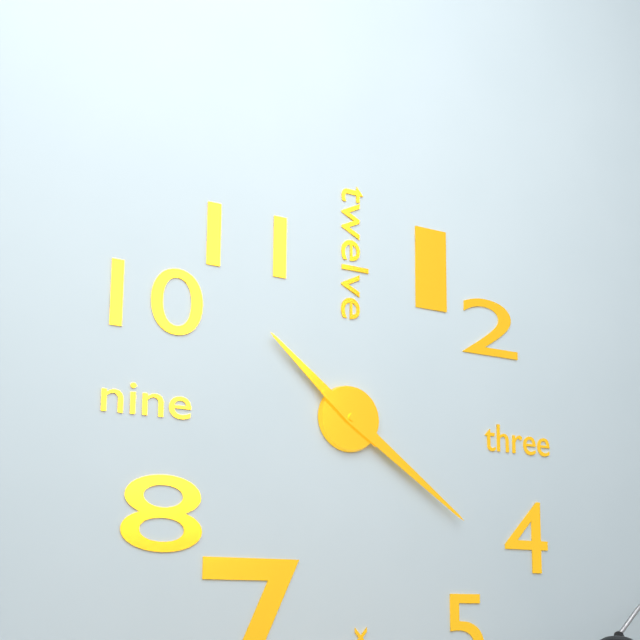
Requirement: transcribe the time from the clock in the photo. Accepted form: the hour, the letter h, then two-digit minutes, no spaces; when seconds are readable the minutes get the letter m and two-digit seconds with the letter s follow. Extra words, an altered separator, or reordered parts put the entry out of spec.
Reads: 10h21
